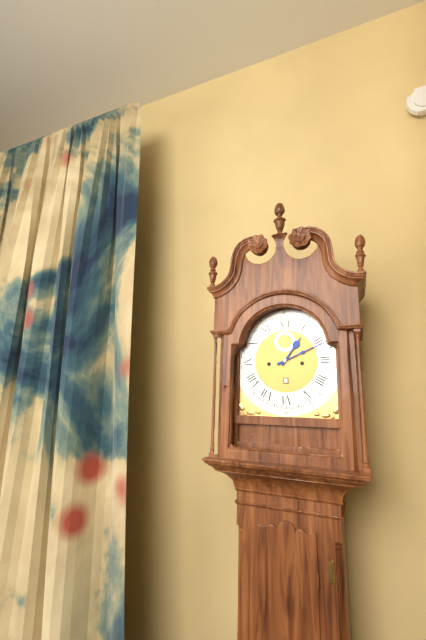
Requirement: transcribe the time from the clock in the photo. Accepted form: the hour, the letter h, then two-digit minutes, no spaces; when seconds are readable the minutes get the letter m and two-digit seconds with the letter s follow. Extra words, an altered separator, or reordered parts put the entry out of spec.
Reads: 1h11
